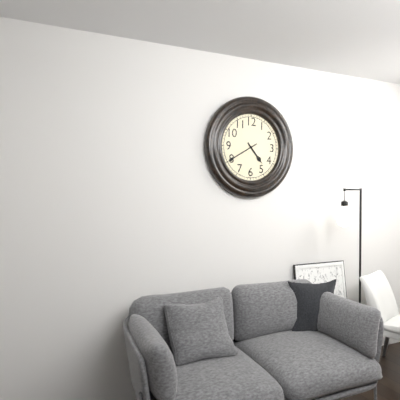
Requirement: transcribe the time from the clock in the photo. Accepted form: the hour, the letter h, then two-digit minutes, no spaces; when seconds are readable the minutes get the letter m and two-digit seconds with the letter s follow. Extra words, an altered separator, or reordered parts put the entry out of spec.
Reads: 4h40
